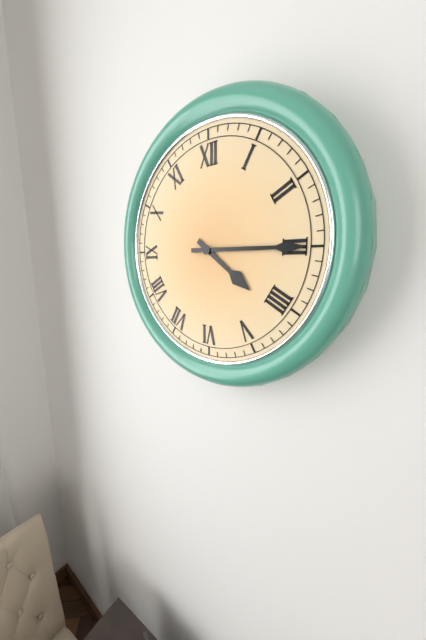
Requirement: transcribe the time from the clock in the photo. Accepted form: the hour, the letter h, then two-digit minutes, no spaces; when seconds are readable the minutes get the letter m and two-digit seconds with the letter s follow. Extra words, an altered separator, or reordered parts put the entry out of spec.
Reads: 4h15
